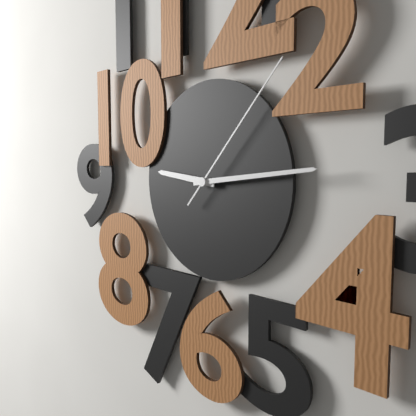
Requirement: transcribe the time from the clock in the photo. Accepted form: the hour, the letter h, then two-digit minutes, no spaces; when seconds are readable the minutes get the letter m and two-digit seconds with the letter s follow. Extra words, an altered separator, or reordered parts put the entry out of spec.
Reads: 9h14m07s
